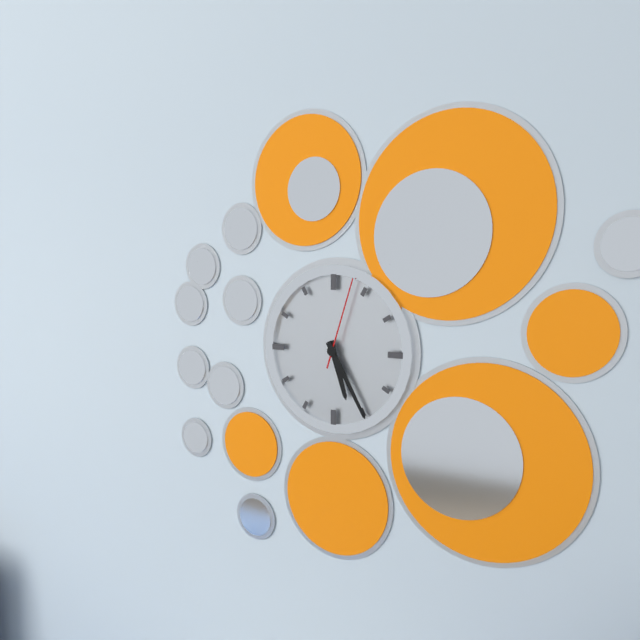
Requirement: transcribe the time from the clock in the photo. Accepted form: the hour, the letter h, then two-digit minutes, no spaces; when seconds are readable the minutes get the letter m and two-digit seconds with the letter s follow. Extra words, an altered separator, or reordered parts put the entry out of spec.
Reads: 5h25m03s
